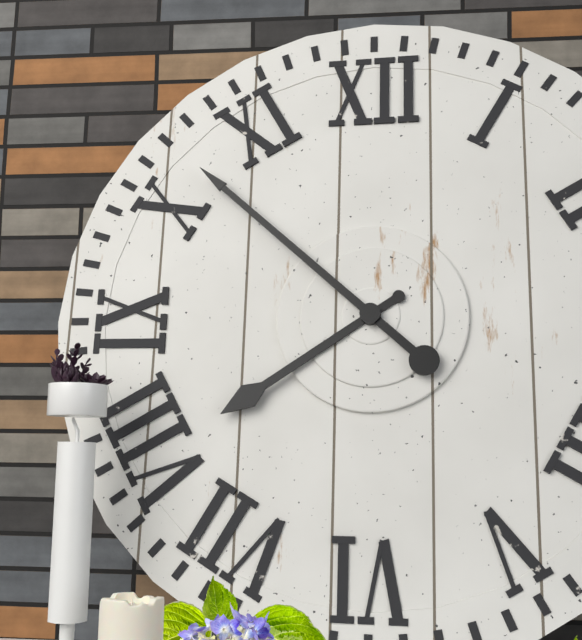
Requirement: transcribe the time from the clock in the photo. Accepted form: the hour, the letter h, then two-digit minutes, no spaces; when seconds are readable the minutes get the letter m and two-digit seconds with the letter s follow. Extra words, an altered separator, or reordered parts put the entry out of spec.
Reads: 7h52
